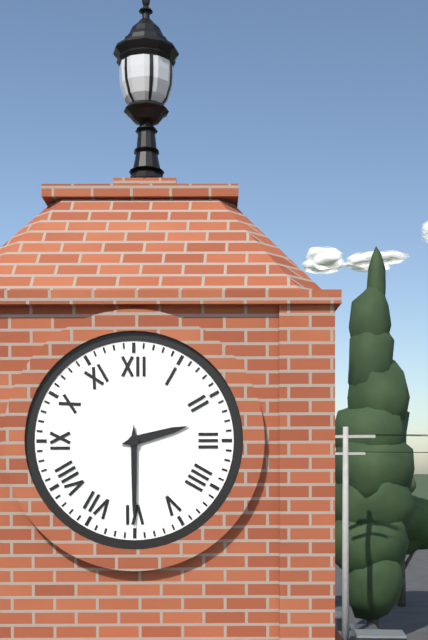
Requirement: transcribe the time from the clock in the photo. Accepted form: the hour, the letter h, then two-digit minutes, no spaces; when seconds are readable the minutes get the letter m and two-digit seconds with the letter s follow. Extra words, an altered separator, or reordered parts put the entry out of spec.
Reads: 2h30
